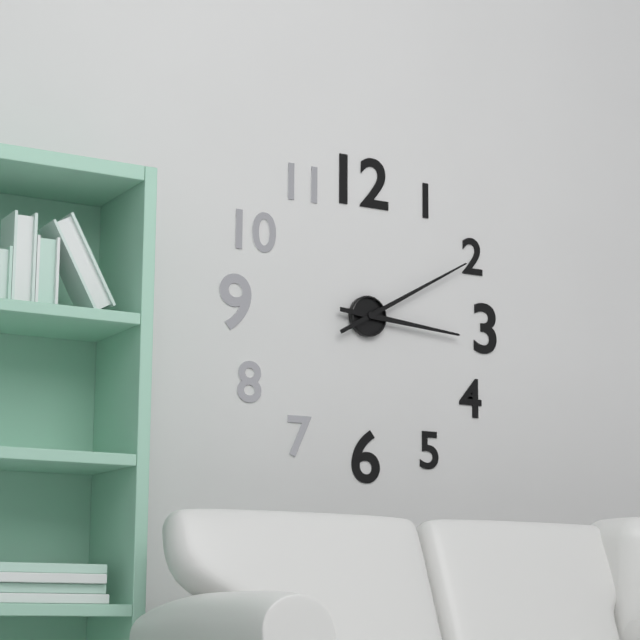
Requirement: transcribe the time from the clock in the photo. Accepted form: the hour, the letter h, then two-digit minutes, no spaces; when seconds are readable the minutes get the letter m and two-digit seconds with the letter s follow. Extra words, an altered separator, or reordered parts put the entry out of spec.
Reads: 3h10
